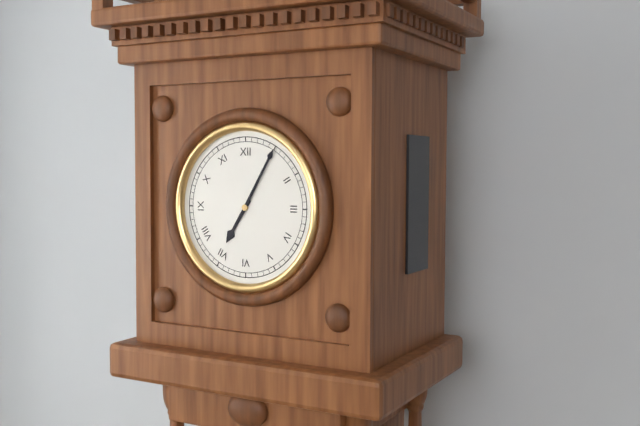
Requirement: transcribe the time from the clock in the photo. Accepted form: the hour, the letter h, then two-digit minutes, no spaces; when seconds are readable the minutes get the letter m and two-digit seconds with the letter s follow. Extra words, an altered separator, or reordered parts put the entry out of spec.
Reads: 7h05
